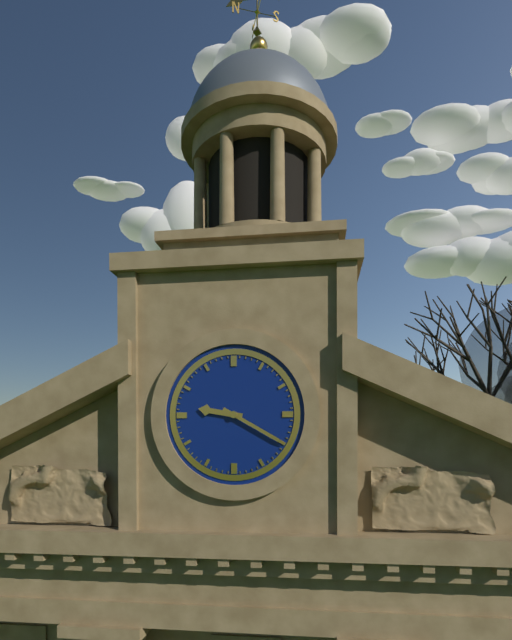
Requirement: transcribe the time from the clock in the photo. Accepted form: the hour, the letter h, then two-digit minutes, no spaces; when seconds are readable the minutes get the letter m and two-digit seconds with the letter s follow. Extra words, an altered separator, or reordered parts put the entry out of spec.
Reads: 9h20
